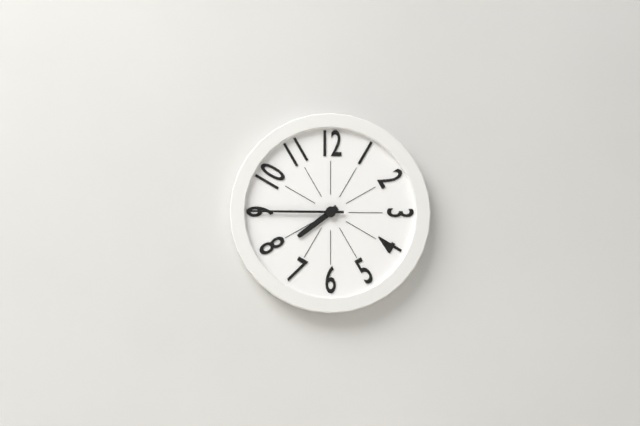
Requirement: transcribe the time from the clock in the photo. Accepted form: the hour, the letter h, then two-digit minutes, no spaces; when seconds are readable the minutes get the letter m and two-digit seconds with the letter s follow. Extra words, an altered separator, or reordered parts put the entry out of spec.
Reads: 7h45
